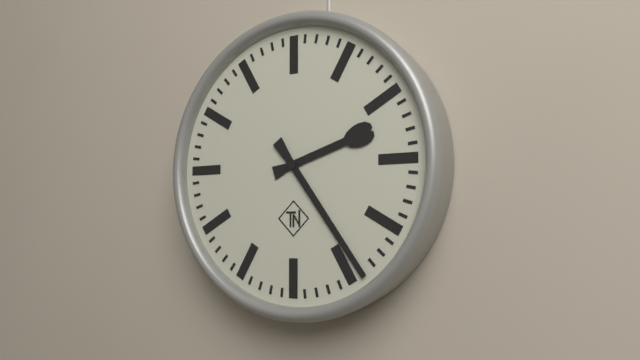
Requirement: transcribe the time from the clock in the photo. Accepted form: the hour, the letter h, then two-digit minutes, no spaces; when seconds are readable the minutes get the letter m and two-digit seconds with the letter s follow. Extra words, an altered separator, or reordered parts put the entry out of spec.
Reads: 2h24
